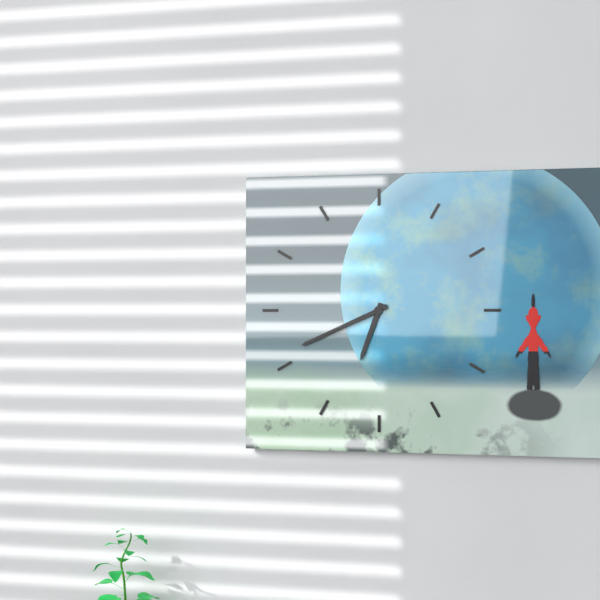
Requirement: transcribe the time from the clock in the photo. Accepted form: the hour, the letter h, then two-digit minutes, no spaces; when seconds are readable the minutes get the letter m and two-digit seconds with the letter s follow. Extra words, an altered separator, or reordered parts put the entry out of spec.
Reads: 6h41
